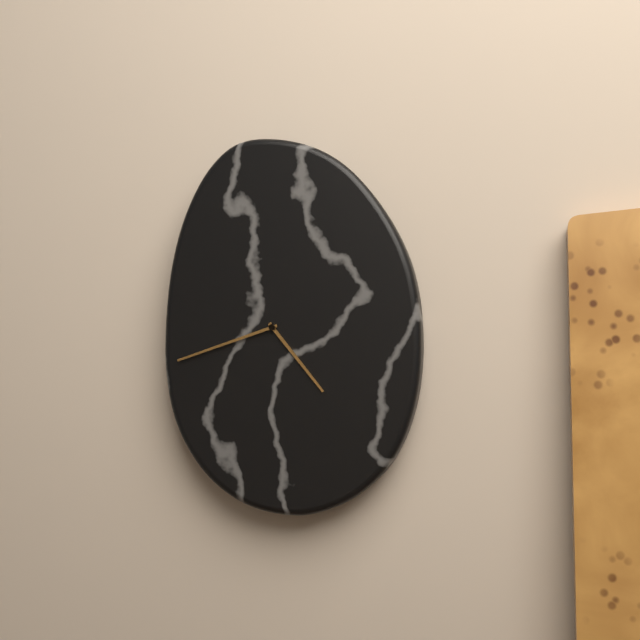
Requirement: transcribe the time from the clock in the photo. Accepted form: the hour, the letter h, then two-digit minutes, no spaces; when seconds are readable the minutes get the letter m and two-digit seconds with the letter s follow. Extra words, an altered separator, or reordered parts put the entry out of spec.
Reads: 4h42
